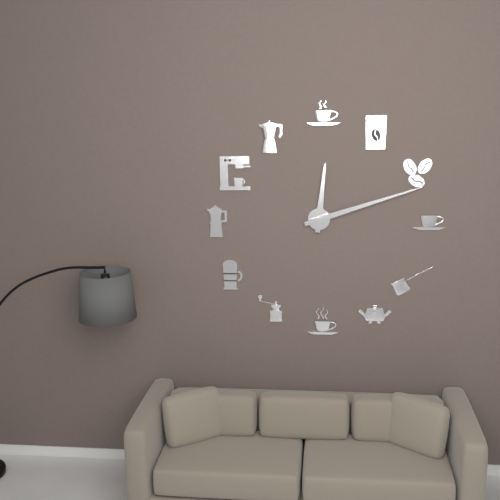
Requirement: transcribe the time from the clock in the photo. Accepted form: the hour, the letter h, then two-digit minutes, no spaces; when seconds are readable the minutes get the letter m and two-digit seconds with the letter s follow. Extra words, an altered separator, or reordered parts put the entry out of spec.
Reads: 12h12
